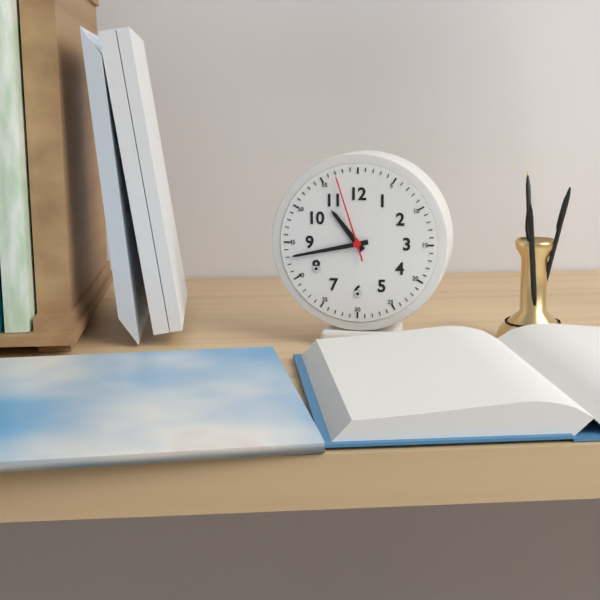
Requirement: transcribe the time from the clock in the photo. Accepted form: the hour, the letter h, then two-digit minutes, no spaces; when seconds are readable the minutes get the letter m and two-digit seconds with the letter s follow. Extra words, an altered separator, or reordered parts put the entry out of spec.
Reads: 10h43m57s
